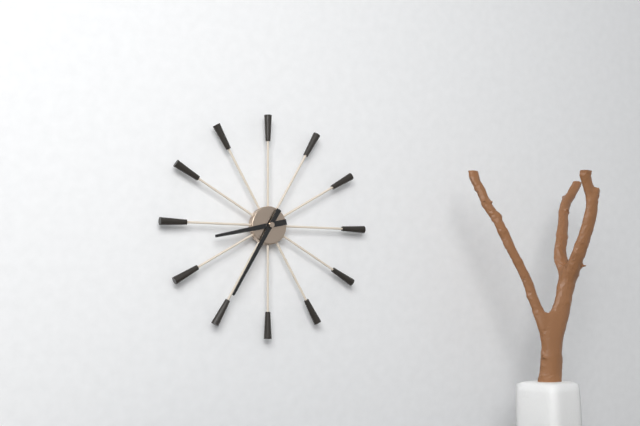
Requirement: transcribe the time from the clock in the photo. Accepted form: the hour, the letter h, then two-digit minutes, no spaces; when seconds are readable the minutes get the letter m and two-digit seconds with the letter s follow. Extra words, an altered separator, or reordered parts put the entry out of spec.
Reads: 8h35
